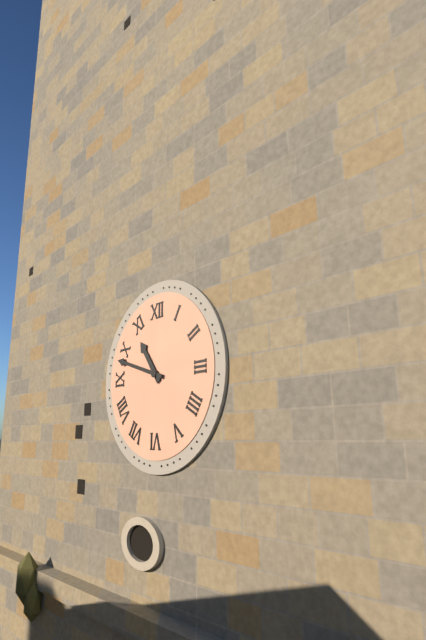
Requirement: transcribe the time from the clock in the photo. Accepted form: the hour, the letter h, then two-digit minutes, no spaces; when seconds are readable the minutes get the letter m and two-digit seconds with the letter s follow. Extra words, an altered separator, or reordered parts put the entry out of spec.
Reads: 10h48
